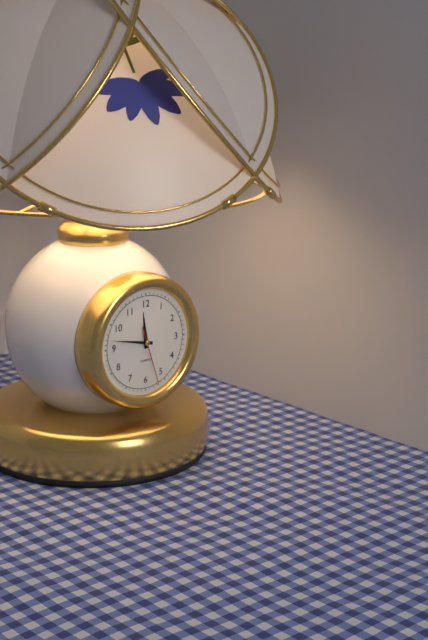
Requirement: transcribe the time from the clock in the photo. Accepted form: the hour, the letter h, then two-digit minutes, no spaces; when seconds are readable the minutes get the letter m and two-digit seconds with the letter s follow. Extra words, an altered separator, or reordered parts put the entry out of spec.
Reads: 11h47m27s
